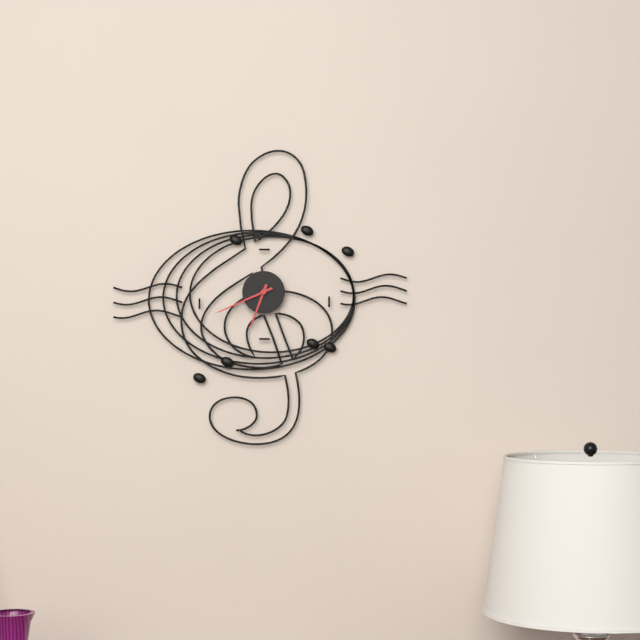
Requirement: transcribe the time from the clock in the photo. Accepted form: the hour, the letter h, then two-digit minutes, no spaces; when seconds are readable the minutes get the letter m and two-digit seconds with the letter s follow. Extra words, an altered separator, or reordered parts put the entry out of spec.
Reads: 6h41
